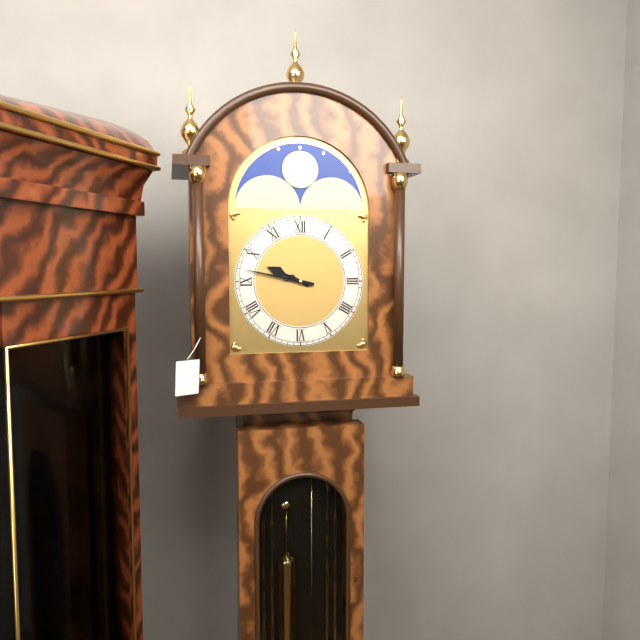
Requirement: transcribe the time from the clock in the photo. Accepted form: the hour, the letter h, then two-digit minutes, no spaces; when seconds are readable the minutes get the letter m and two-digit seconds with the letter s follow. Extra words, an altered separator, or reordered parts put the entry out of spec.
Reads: 9h47
